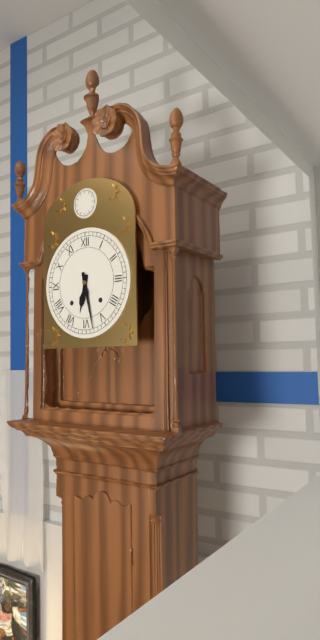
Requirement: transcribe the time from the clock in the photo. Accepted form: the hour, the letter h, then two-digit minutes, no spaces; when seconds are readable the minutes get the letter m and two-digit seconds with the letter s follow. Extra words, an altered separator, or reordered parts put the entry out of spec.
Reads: 6h28
